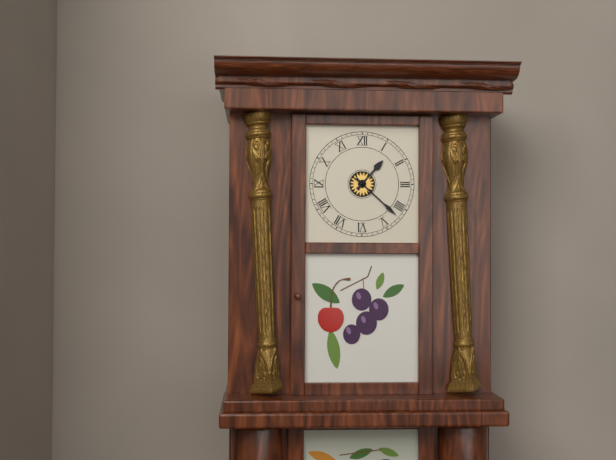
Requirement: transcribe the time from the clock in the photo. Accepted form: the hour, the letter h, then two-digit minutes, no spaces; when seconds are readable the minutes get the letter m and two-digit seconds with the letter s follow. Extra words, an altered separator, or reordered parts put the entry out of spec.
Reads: 1h22
